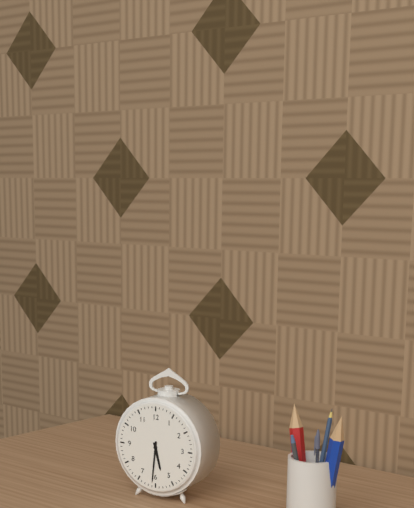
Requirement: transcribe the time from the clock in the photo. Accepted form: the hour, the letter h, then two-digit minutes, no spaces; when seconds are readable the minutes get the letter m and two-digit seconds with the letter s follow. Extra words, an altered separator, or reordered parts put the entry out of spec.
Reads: 5h31
